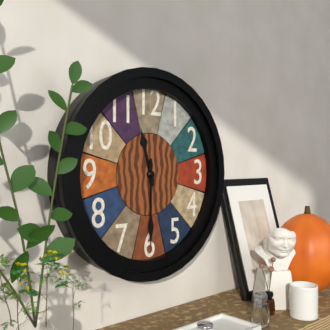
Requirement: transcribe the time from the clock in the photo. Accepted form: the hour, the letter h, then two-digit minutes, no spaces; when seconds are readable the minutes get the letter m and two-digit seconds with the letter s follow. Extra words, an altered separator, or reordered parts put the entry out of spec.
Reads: 11h30
